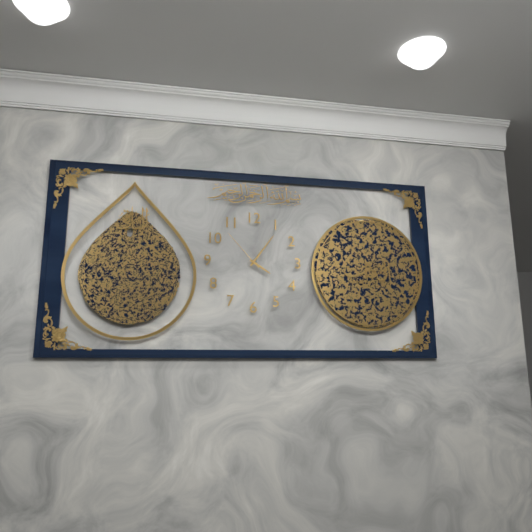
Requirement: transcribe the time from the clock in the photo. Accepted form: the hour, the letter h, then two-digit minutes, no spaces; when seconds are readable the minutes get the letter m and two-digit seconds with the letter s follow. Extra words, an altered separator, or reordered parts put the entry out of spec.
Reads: 4h06
